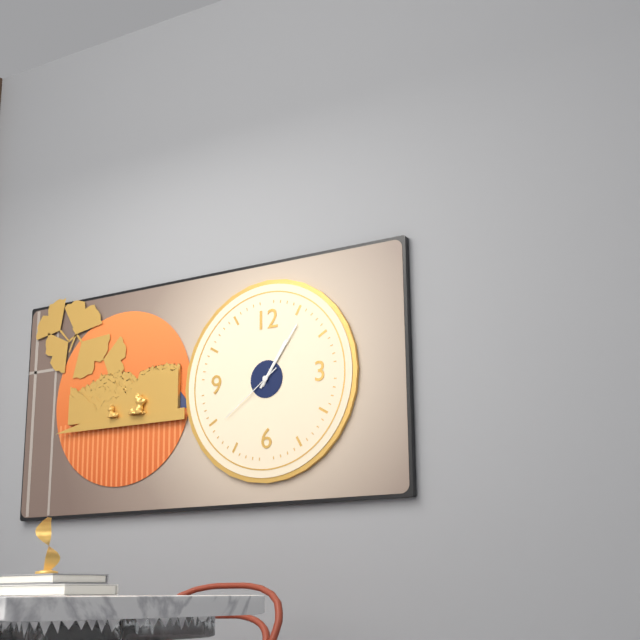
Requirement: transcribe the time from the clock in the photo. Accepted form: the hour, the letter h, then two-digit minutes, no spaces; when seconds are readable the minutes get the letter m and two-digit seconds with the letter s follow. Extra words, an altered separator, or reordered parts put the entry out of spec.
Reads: 1h06m39s
